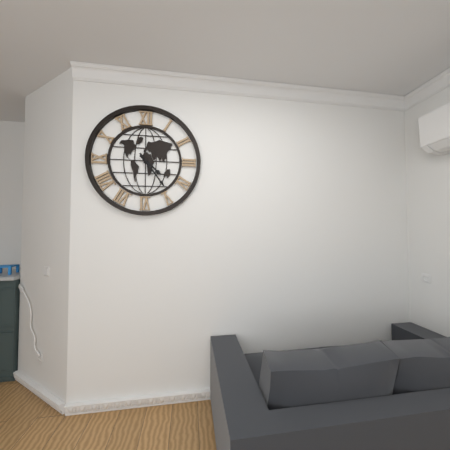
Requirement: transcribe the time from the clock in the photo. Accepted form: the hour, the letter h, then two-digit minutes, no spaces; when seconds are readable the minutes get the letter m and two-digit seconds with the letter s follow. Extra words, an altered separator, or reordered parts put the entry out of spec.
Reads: 4h24
